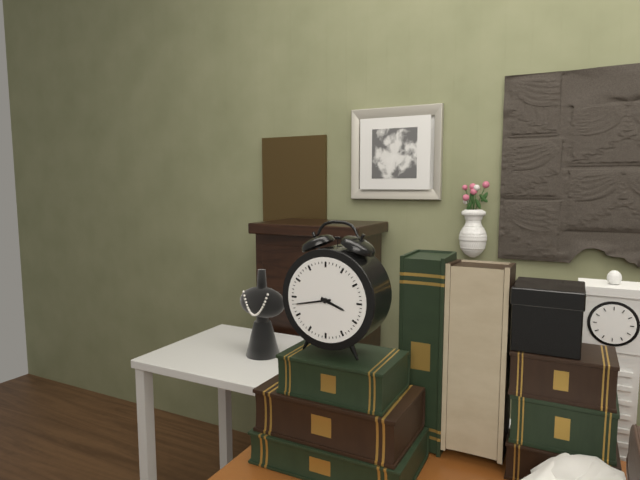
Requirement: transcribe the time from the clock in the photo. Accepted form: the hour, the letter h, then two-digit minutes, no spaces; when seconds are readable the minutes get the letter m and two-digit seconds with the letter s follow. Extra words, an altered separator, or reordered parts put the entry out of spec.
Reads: 3h43
